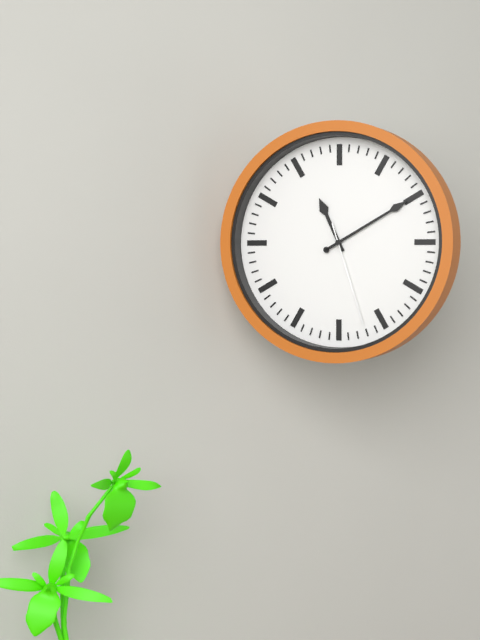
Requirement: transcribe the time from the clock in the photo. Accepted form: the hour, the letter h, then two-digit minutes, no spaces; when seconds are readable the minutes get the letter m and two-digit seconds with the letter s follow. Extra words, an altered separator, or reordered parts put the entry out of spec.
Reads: 11h10m27s
